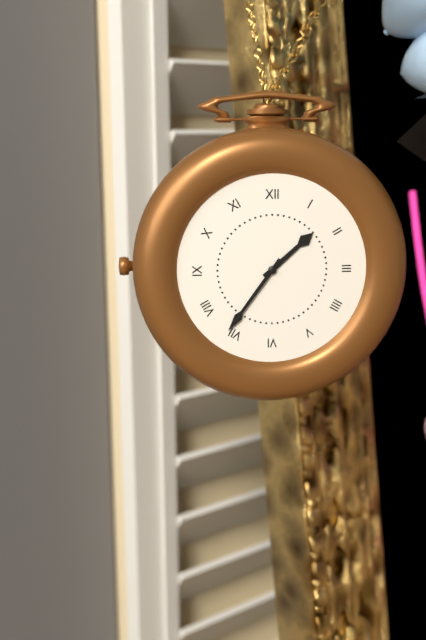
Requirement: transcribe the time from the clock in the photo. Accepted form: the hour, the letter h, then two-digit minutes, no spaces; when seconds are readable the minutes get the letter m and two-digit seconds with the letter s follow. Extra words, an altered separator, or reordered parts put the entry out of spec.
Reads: 1h36
